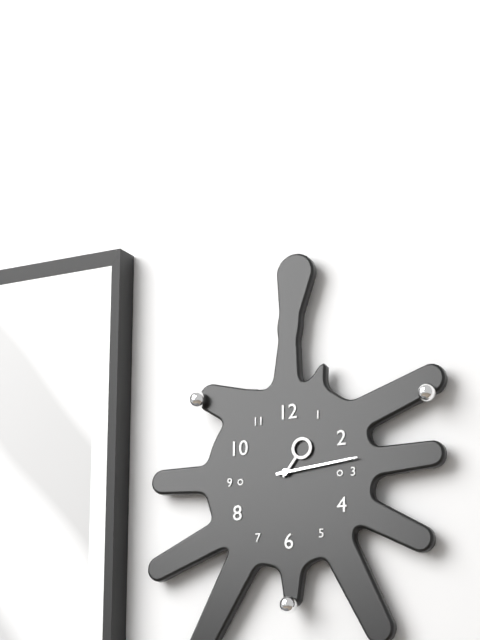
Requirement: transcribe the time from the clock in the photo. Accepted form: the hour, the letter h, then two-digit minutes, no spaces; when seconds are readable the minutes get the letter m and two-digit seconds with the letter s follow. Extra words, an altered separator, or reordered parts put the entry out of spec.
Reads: 1h14
